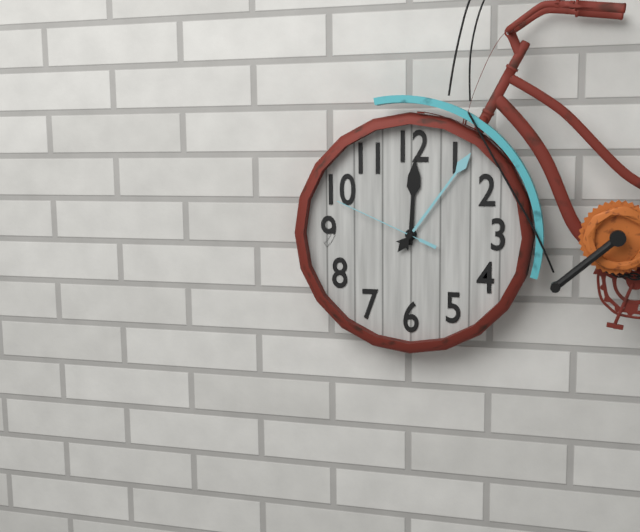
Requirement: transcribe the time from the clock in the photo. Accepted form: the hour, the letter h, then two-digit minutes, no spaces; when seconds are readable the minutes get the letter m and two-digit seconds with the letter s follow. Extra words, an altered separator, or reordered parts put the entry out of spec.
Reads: 12h06m49s
